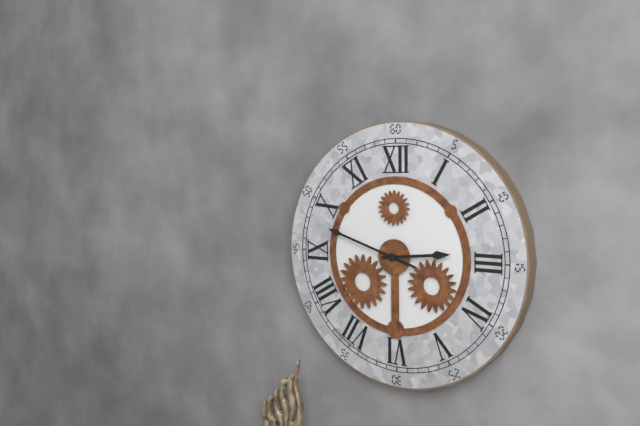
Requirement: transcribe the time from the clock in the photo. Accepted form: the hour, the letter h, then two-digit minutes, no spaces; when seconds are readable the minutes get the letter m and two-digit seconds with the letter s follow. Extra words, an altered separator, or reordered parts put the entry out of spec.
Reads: 2h48
